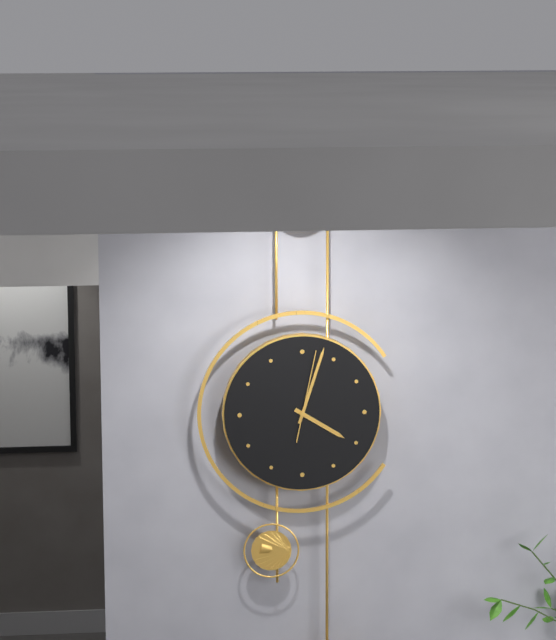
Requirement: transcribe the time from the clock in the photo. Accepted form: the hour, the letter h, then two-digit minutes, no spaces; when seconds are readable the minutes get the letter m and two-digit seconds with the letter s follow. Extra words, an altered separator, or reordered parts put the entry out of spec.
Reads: 4h03m02s
